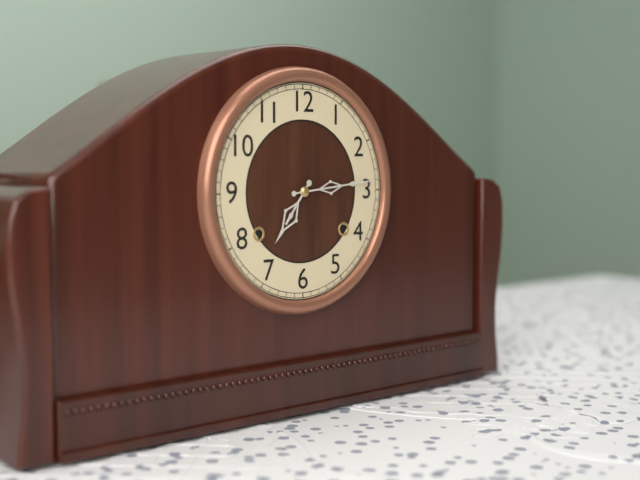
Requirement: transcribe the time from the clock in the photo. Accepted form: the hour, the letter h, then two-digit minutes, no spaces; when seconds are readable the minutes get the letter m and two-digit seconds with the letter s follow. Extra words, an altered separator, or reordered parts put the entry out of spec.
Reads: 7h14
